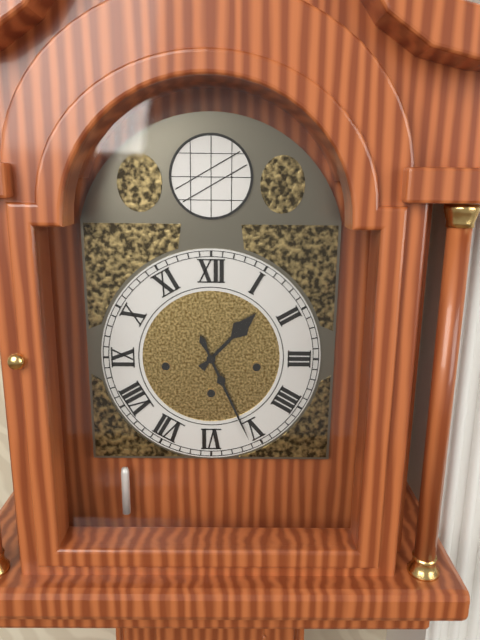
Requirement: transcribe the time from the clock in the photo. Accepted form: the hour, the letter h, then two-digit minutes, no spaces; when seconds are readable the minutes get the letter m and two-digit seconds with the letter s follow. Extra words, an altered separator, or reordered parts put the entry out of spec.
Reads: 1h26
